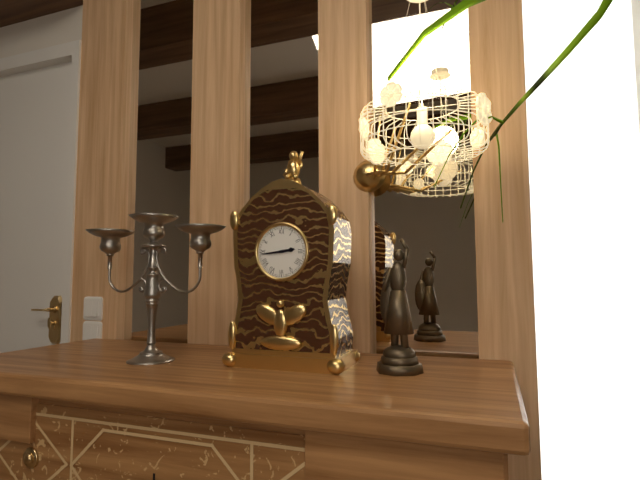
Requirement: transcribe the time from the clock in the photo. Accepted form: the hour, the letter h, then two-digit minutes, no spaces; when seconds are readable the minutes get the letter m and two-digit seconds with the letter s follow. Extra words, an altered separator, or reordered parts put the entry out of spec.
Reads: 2h44
